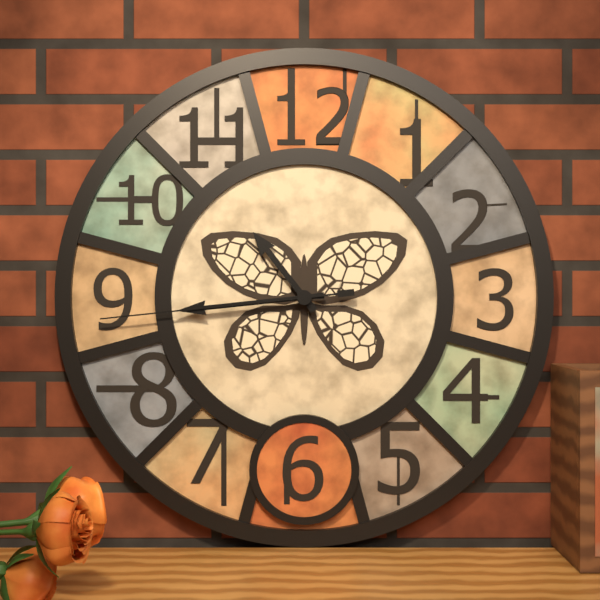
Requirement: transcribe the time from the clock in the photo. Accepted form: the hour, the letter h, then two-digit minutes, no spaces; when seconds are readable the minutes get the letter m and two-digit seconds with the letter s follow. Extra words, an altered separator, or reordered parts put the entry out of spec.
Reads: 10h44m44s
